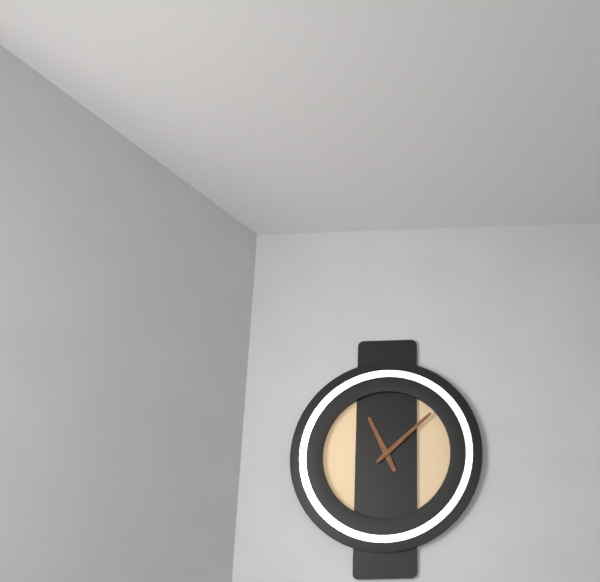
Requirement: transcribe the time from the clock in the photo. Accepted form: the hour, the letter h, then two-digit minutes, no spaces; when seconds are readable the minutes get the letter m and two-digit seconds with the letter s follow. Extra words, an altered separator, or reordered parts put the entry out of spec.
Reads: 11h08
